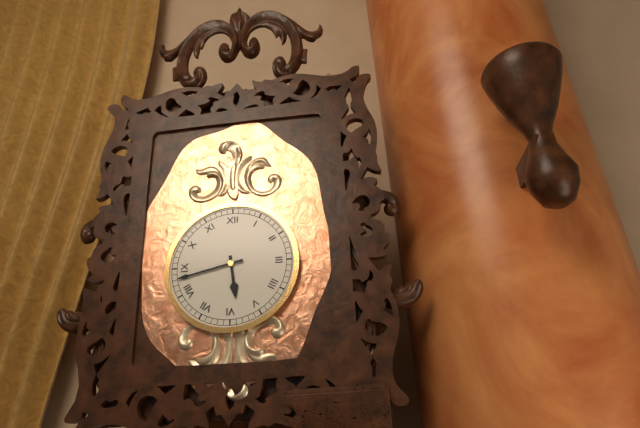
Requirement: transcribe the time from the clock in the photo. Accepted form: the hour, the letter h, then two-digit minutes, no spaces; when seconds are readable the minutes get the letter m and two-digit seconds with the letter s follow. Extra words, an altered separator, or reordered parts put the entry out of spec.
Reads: 5h43
